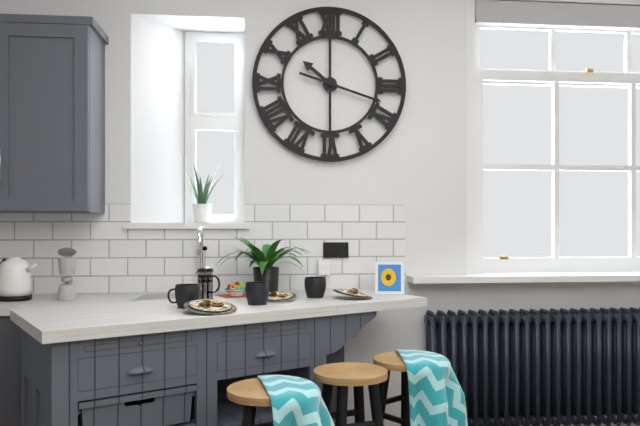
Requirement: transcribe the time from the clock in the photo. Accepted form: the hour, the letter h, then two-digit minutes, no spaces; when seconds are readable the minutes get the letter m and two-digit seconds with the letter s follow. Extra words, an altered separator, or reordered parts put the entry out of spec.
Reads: 10h18
